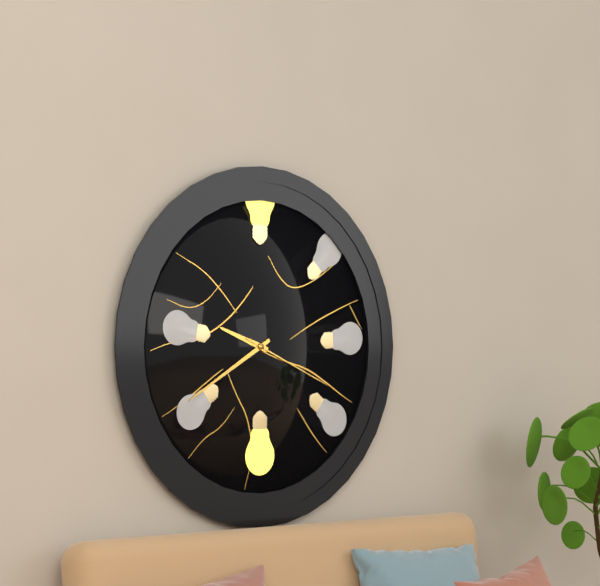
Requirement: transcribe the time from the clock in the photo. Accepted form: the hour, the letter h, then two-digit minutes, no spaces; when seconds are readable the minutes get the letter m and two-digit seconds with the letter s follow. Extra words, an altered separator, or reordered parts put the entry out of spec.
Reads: 9h40m19s
